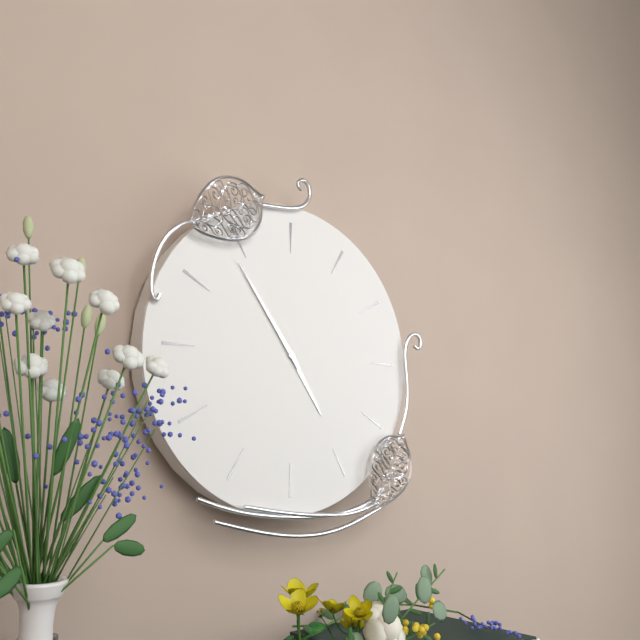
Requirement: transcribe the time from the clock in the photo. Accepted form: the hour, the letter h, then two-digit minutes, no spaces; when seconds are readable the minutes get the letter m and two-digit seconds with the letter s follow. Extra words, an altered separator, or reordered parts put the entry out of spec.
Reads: 4h54
